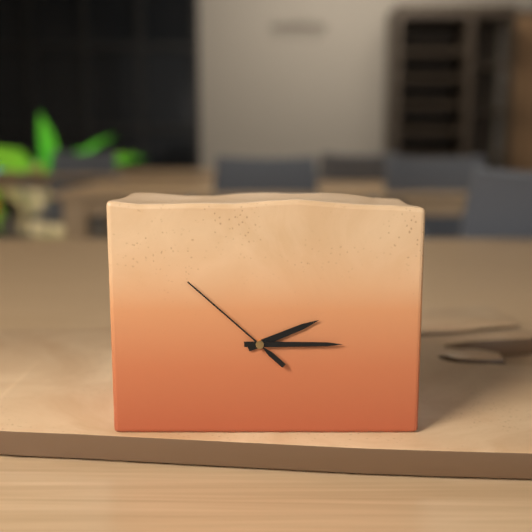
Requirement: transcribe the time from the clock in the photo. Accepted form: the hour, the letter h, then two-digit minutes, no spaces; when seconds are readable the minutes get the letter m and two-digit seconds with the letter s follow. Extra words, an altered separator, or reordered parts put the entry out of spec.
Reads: 2h15m52s
